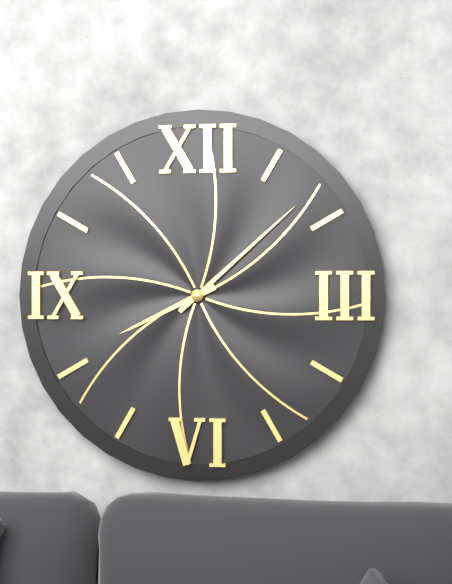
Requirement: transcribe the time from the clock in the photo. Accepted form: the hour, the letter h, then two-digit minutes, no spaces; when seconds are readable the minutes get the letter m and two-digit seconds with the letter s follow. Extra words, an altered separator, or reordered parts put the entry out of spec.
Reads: 8h08
